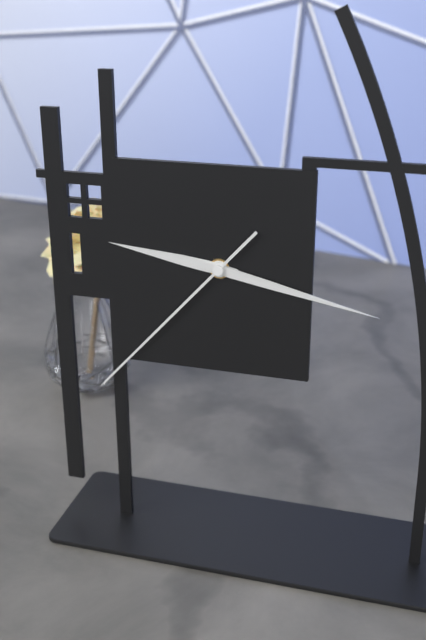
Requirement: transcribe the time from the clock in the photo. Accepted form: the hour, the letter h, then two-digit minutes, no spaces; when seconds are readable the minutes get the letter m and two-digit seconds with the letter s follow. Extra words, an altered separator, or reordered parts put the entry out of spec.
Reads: 9h17m37s
